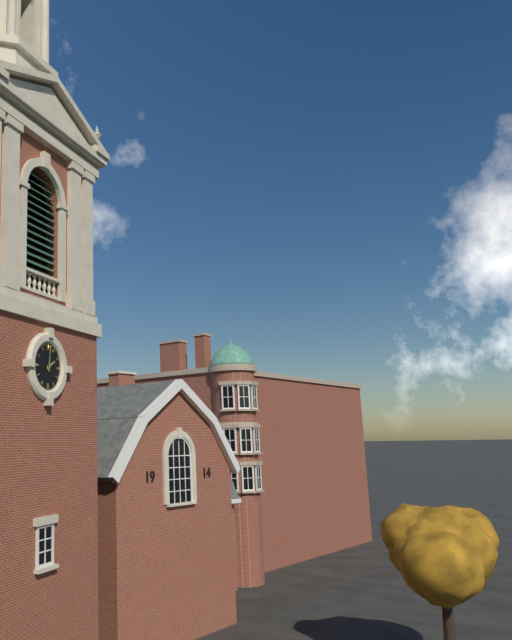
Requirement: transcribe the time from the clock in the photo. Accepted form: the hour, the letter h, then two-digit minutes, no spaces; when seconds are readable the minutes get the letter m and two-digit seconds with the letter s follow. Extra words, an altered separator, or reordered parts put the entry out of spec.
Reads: 2h01
